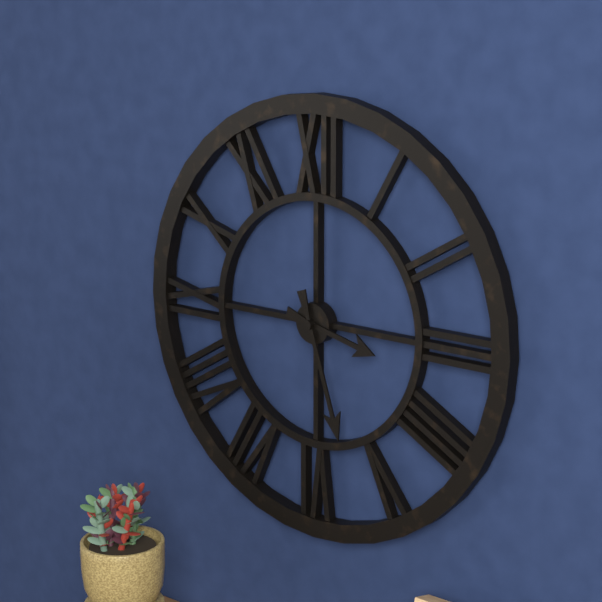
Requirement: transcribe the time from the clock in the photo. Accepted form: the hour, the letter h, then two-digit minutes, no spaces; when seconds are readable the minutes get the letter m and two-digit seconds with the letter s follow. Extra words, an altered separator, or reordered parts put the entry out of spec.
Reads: 3h27
